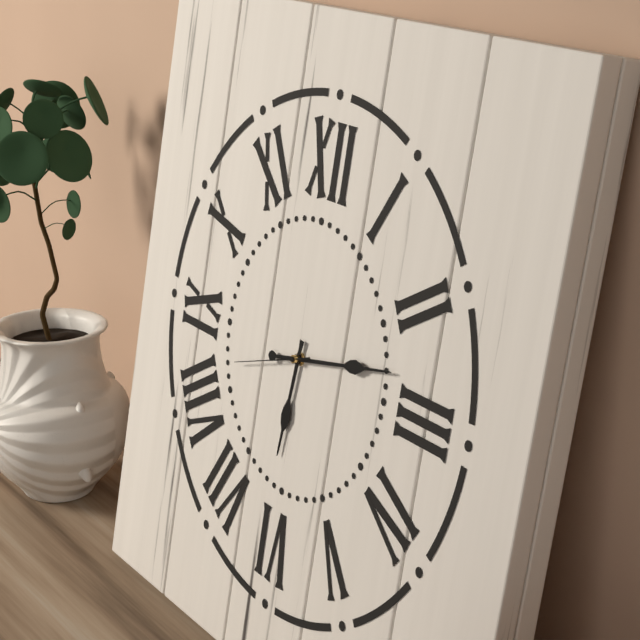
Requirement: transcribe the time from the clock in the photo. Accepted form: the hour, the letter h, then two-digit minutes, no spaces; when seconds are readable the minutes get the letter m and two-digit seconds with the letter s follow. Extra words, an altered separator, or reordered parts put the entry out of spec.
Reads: 6h13m42s
